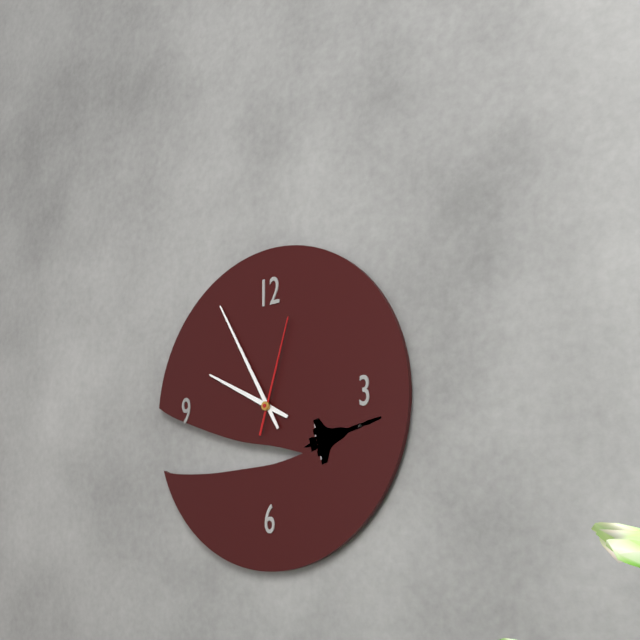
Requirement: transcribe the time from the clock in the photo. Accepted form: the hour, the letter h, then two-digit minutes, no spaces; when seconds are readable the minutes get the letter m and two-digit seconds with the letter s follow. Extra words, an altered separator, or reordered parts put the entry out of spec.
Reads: 9h55m03s
